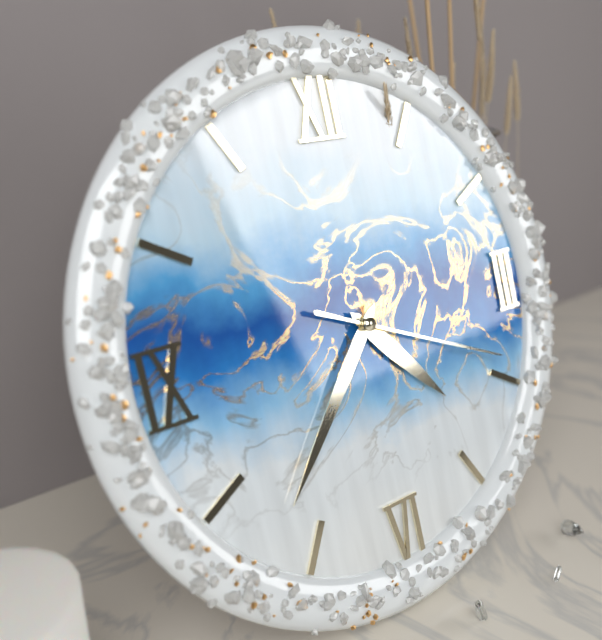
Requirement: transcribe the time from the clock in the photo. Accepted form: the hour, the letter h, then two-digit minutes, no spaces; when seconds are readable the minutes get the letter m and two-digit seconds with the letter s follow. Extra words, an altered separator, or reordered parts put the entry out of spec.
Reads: 4h37m19s
